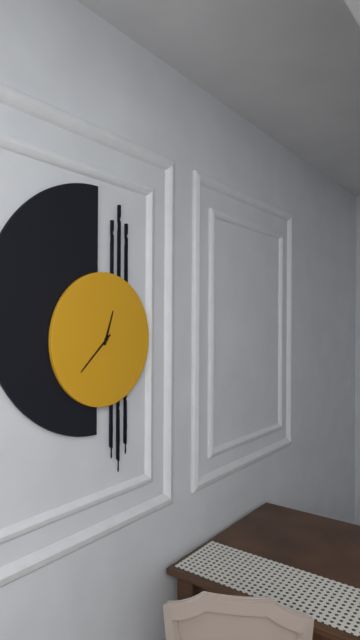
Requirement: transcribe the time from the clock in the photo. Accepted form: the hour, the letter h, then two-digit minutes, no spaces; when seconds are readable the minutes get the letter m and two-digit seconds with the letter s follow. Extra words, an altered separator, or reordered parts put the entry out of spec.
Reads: 12h38
